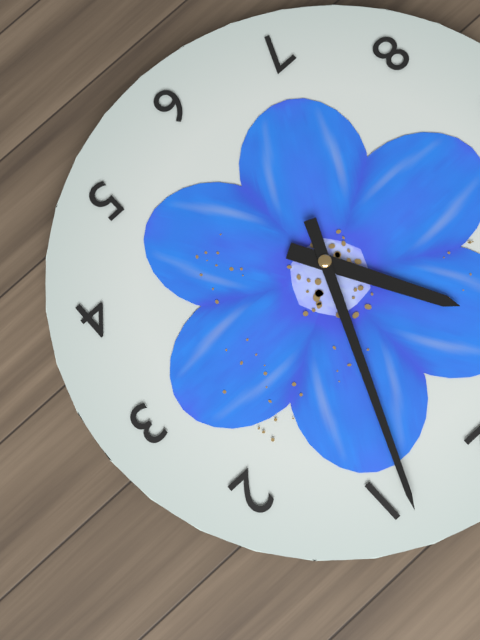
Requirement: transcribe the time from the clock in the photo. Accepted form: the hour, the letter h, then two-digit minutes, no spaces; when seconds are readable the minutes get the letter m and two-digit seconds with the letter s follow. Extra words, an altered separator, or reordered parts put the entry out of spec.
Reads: 11h04
